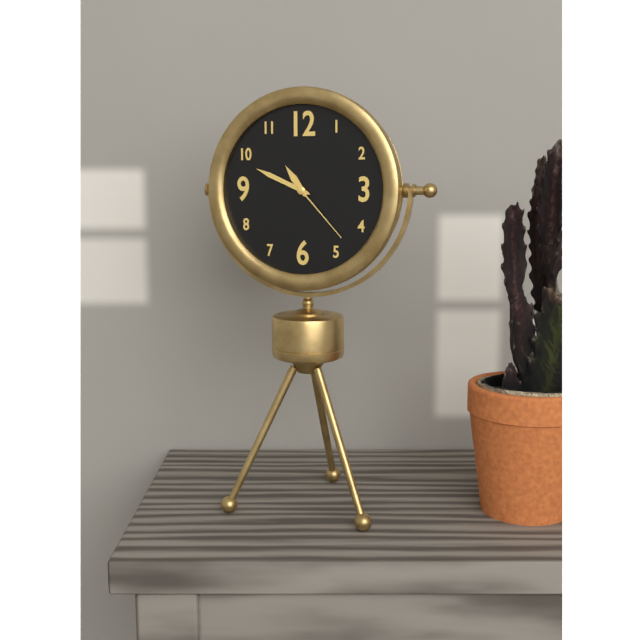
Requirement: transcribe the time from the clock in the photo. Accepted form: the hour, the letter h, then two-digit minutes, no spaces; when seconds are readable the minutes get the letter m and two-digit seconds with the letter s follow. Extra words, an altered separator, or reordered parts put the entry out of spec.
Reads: 10h49m23s
